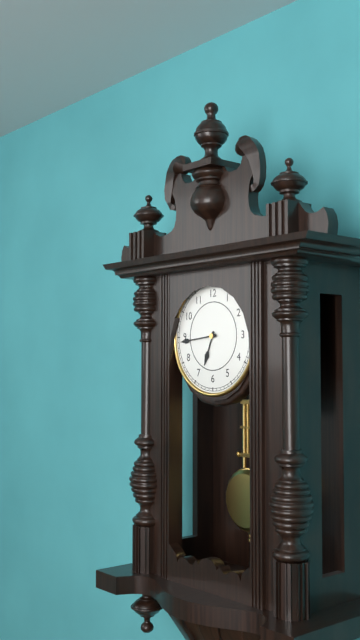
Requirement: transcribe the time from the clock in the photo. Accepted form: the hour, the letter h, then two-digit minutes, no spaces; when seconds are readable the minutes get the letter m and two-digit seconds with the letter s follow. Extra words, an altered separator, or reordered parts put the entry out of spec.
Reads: 6h44
